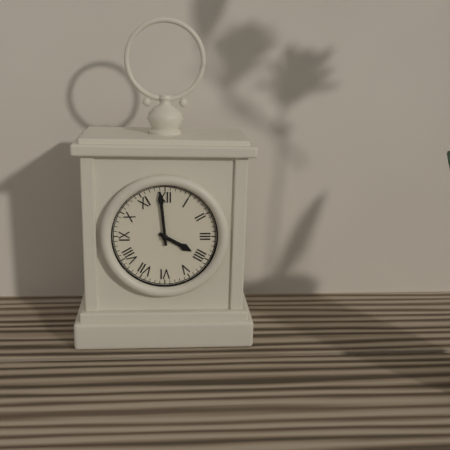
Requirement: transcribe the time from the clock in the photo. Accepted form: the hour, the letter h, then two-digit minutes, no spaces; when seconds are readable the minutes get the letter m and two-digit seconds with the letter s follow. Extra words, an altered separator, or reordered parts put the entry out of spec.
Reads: 3h59
